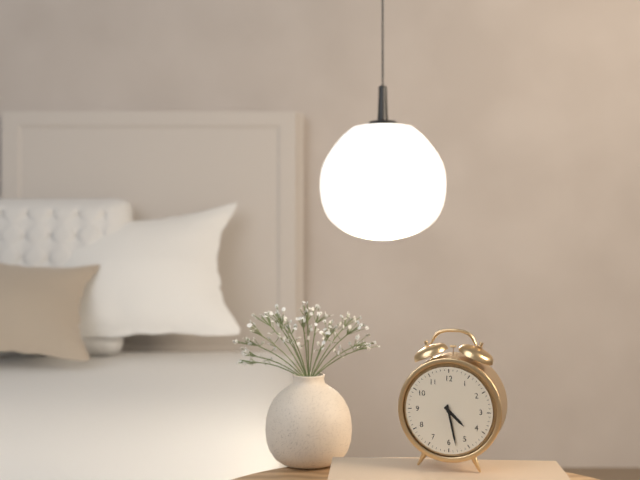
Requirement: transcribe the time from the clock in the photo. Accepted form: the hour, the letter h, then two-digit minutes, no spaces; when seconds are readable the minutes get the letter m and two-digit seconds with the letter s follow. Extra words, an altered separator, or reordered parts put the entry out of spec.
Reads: 4h28
